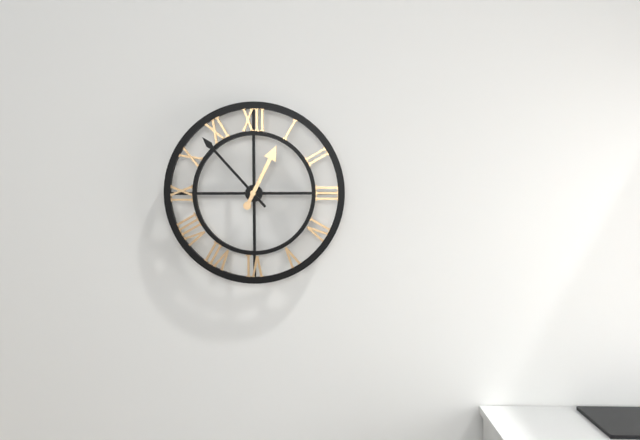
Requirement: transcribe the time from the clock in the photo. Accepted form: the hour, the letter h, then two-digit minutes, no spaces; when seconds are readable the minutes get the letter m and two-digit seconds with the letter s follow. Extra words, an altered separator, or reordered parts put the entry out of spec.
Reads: 12h53
